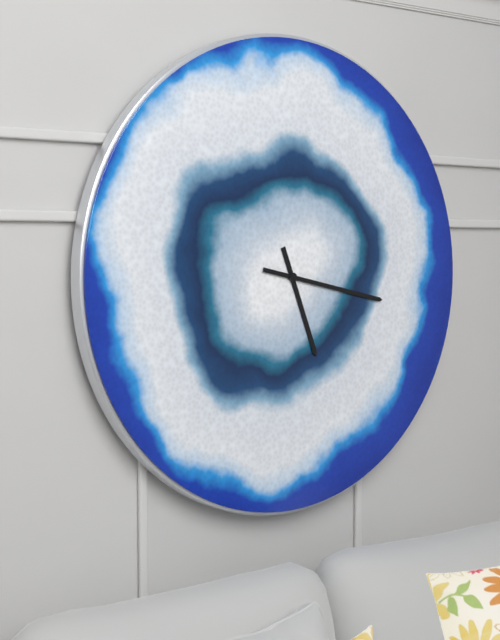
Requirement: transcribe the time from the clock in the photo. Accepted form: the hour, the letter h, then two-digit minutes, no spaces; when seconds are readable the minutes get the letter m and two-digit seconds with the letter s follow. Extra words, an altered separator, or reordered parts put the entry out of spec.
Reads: 5h17
